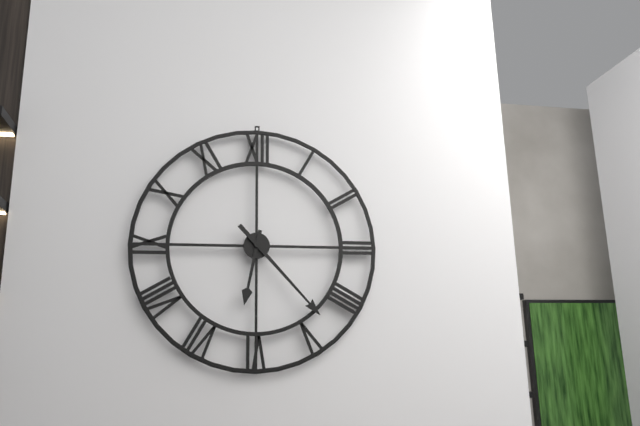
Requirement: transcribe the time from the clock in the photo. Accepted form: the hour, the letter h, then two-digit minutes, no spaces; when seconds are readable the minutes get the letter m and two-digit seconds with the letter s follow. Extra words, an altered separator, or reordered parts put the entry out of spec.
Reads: 6h23
